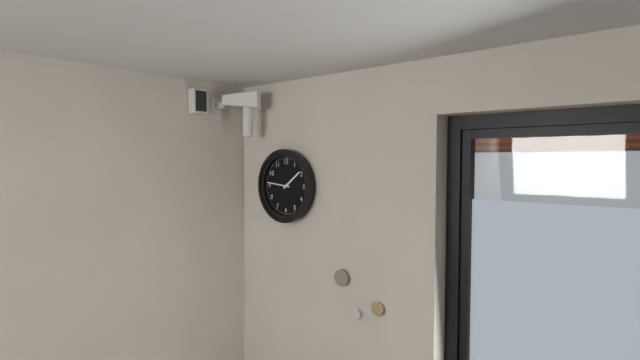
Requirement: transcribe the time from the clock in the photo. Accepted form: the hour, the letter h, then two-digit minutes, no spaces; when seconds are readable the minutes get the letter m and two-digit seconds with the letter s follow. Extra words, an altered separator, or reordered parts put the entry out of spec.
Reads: 1h46
